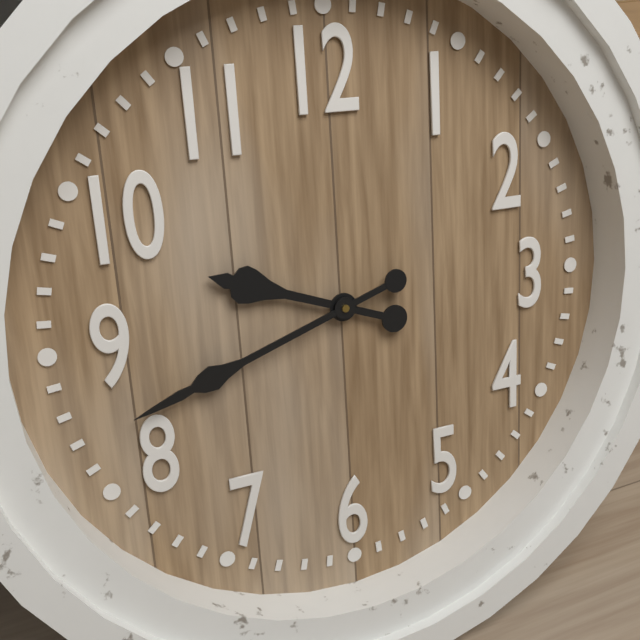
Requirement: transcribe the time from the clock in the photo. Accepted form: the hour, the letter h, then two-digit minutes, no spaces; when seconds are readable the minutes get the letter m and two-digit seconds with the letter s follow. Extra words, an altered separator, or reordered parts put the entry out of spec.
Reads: 9h42
